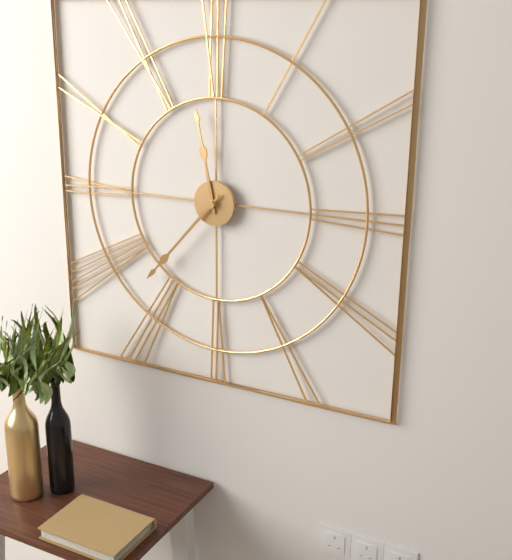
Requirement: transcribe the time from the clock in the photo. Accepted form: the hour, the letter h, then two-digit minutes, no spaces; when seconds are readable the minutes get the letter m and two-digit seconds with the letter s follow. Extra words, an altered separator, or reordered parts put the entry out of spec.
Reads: 11h37
